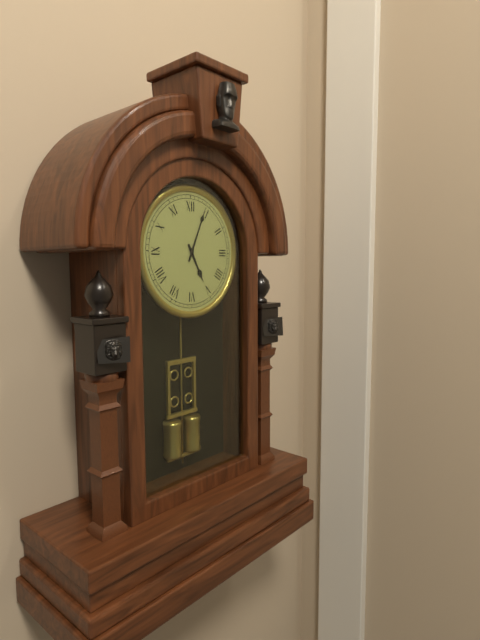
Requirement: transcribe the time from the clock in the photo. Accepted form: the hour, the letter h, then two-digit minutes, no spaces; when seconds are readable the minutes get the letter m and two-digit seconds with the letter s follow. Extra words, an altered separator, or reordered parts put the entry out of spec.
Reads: 5h04
